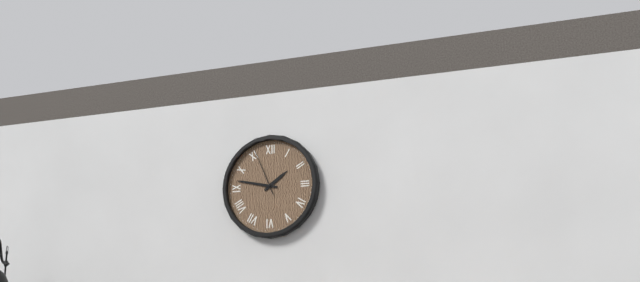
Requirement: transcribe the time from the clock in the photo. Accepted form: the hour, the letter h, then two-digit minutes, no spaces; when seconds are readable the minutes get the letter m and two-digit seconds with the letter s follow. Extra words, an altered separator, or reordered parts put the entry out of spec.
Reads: 1h47m56s
